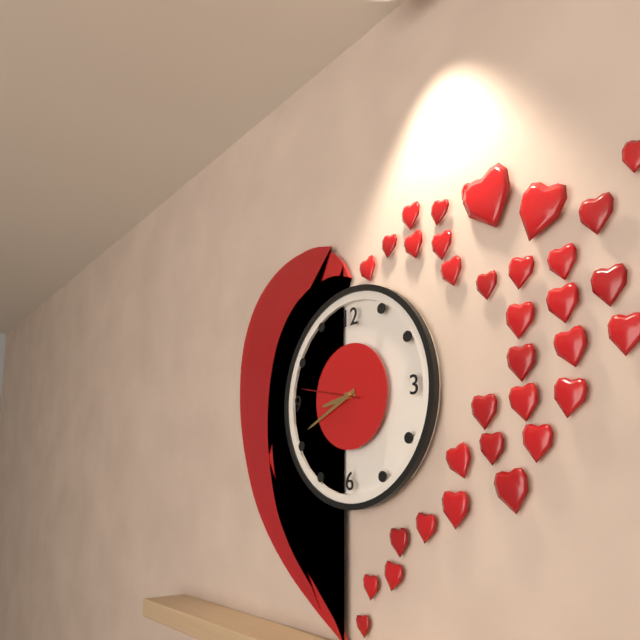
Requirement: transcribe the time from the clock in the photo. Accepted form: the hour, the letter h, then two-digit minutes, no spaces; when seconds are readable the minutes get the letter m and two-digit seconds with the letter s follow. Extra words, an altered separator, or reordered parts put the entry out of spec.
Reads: 8h41m47s
